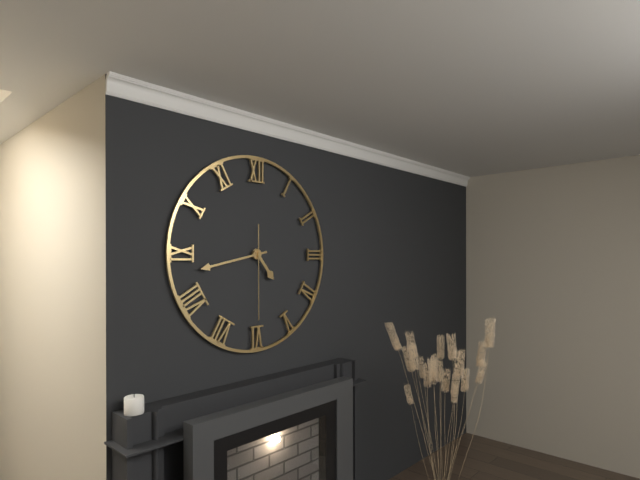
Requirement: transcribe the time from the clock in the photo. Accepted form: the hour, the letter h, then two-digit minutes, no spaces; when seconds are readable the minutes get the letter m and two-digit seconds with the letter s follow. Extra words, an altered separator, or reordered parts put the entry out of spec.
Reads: 4h43m30s
